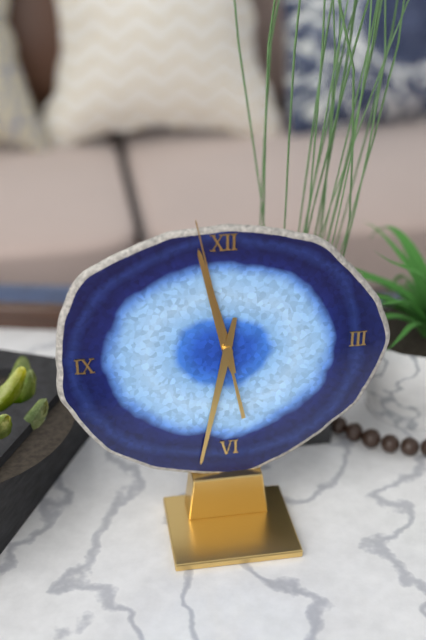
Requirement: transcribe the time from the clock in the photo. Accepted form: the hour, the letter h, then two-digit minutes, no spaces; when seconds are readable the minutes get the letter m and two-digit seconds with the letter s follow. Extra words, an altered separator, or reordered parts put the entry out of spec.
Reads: 11h32m58s
